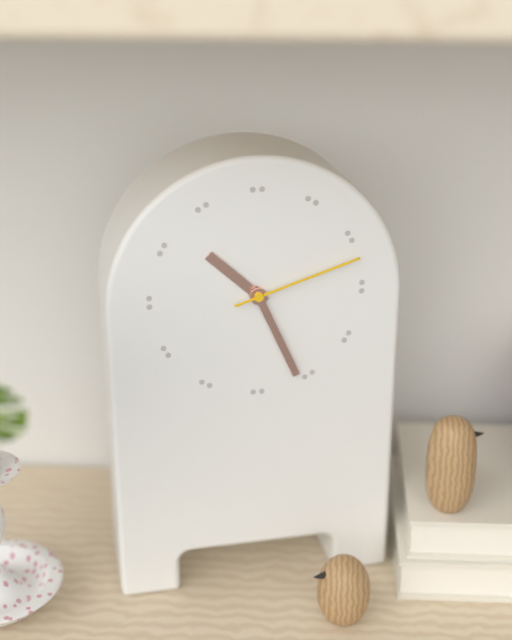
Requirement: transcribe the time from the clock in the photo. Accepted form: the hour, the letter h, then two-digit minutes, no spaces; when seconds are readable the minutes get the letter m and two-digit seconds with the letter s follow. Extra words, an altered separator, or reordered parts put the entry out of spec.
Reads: 10h26m12s
